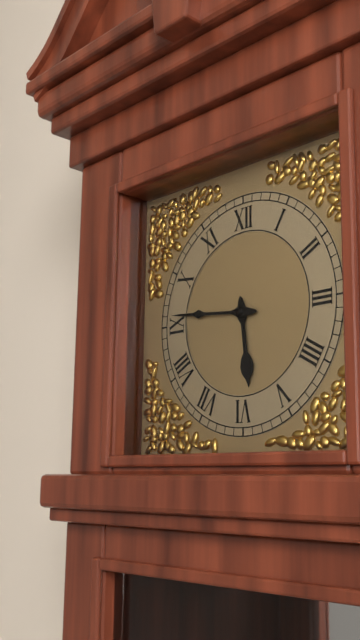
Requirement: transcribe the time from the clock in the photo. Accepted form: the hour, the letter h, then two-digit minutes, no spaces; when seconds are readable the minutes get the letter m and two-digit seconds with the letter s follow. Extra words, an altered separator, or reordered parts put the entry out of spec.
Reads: 5h46
